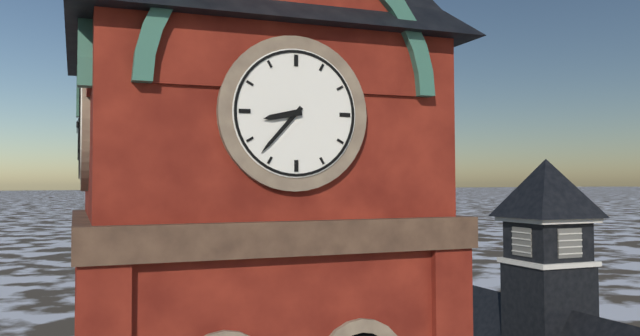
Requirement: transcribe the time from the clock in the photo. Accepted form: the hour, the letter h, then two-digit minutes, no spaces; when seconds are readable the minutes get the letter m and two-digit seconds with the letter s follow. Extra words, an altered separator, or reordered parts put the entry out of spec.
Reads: 8h37
